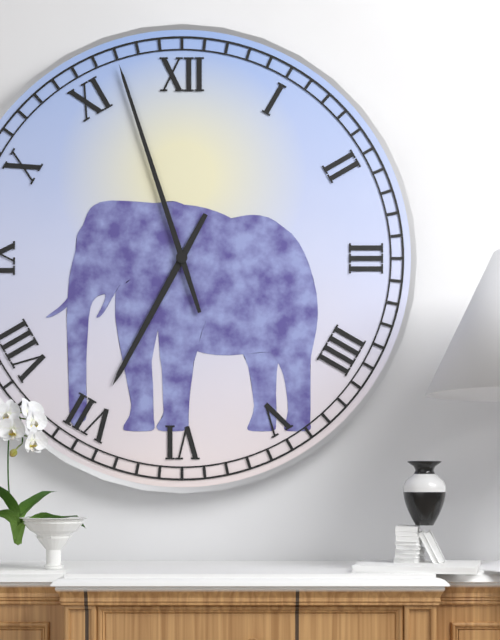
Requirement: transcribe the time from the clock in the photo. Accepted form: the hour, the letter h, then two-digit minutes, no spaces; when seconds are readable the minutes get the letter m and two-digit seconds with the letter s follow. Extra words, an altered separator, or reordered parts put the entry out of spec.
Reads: 6h57
